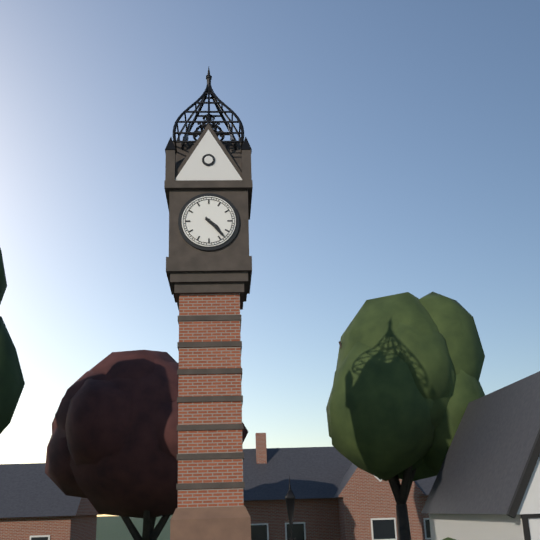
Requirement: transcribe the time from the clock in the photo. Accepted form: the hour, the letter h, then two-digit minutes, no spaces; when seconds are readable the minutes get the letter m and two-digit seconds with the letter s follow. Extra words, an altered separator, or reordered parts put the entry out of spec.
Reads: 4h23
